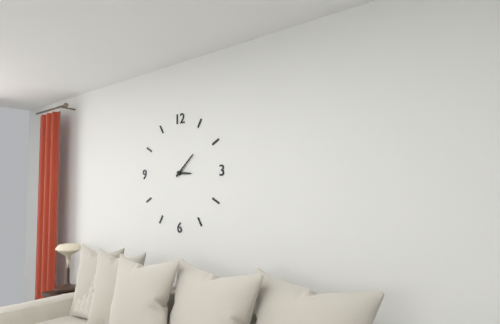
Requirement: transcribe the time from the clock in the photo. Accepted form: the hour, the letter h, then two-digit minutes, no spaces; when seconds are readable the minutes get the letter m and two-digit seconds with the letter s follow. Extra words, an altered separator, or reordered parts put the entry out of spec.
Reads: 3h08
